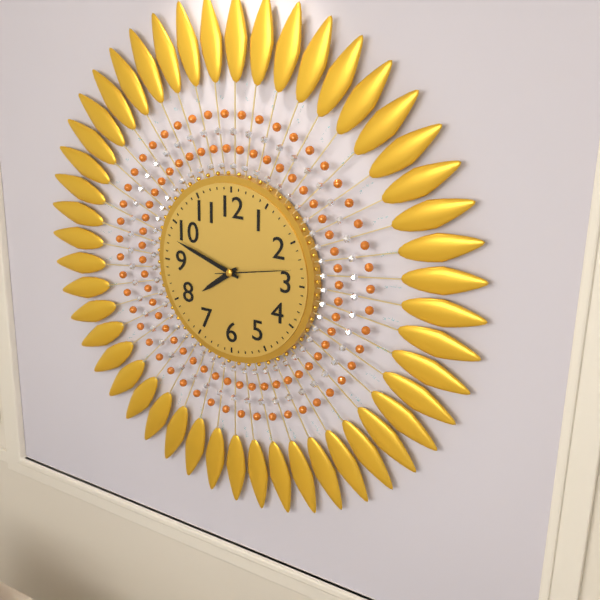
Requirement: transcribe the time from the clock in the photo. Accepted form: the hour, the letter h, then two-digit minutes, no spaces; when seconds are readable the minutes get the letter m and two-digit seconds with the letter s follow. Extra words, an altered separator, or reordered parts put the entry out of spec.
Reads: 7h48m13s
